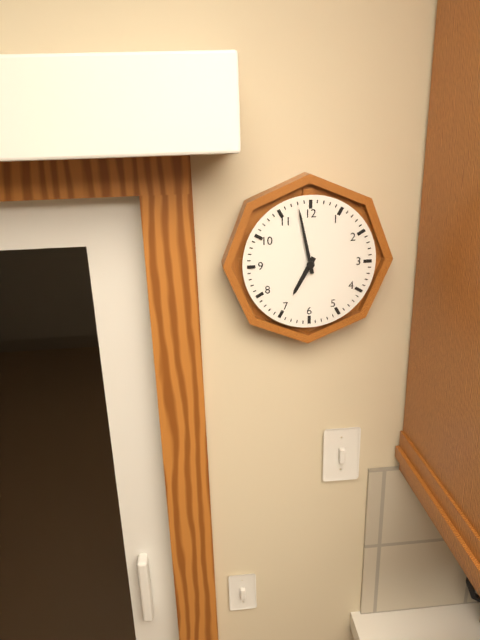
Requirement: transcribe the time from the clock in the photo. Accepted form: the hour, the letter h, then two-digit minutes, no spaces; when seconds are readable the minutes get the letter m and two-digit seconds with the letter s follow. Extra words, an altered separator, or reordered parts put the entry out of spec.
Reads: 6h58
